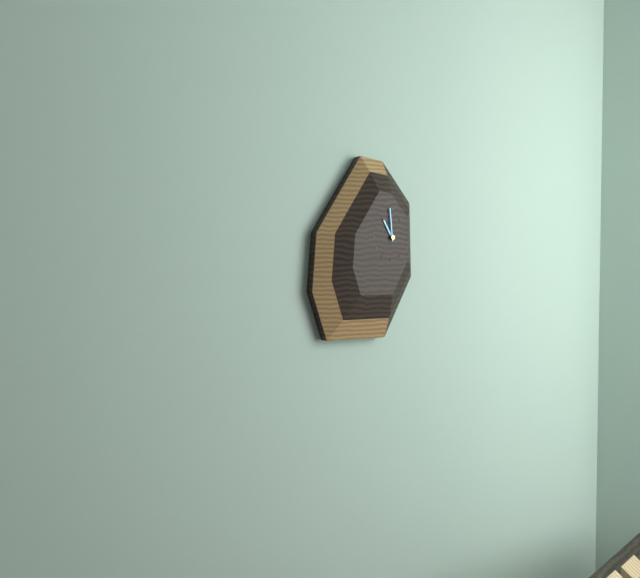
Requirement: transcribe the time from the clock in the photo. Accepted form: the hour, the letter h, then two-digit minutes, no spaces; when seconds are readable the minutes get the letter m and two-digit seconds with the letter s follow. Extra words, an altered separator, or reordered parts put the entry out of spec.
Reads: 10h59
